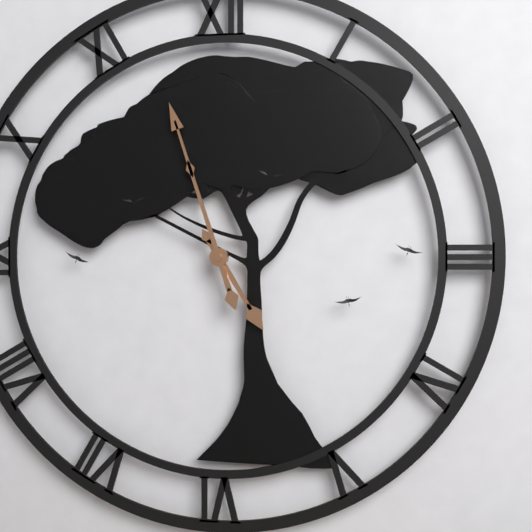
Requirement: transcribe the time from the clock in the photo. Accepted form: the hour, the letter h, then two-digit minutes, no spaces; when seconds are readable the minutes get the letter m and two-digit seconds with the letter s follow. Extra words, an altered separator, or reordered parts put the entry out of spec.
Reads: 4h57
